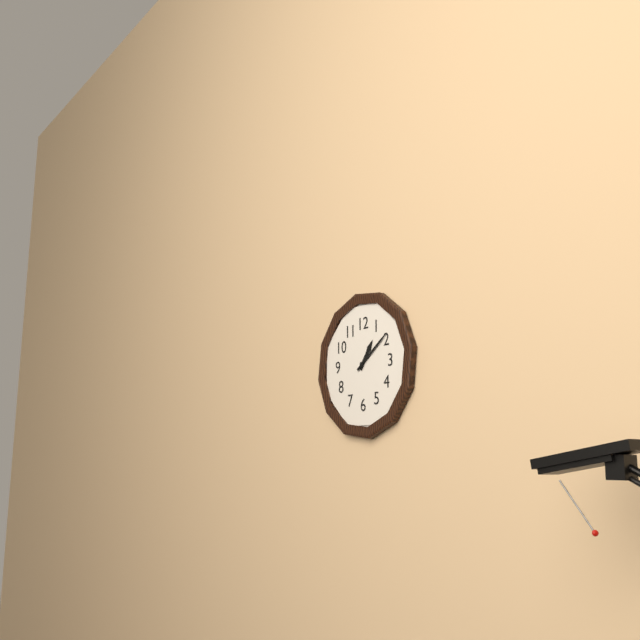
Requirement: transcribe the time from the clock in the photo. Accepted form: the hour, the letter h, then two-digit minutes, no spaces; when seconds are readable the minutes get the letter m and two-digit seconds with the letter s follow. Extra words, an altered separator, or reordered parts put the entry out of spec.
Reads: 1h09
